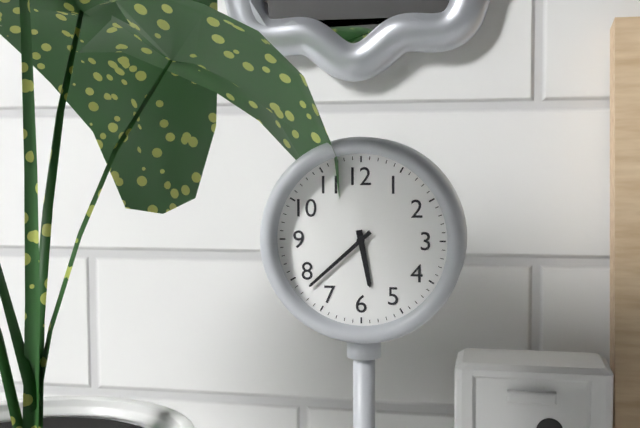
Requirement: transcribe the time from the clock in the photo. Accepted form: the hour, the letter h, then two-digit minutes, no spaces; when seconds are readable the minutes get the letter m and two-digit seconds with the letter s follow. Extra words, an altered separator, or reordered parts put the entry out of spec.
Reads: 5h38
